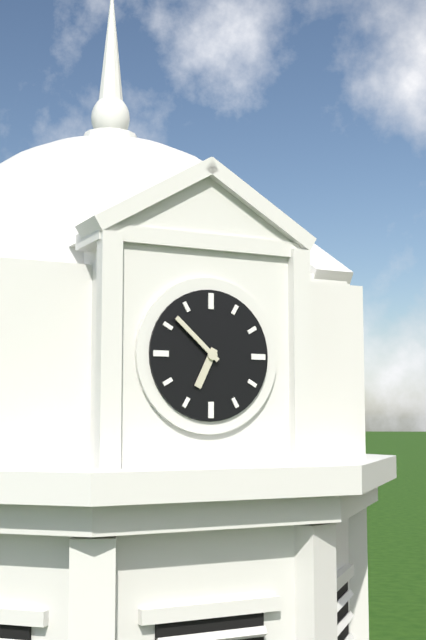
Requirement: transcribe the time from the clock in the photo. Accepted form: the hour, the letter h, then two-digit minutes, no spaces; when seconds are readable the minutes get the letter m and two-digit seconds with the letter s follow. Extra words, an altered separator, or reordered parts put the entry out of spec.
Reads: 6h52
